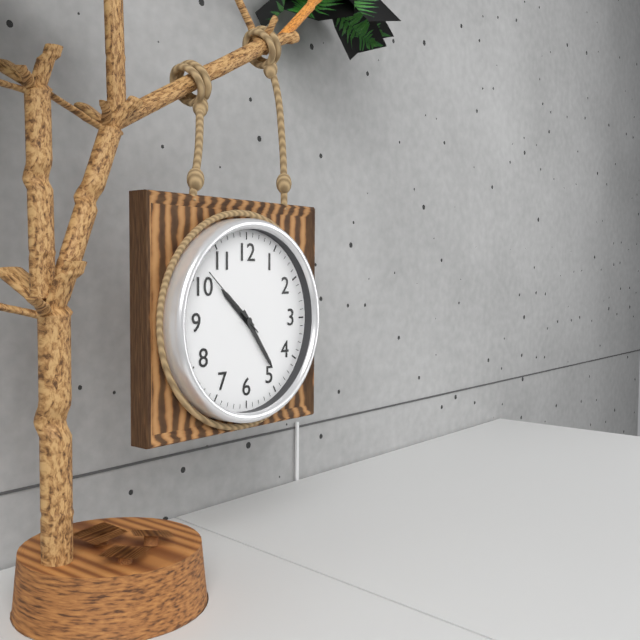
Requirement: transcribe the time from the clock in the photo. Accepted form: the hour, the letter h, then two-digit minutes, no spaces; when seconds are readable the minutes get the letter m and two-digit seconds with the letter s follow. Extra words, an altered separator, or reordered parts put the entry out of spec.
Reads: 10h24m52s
